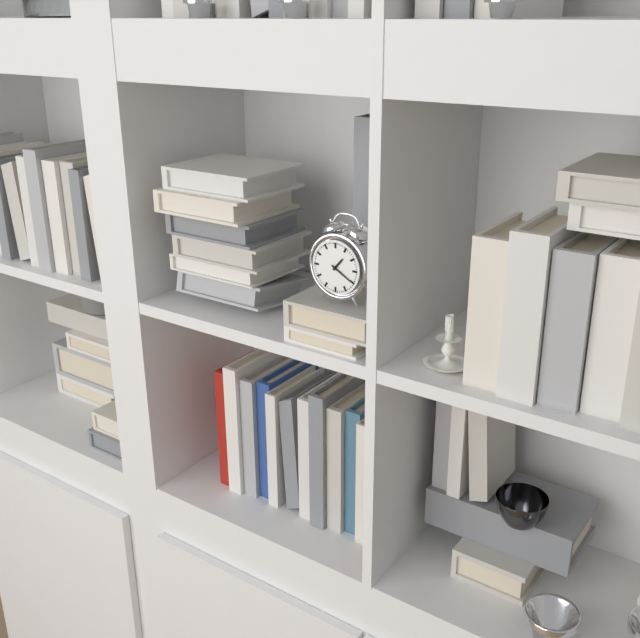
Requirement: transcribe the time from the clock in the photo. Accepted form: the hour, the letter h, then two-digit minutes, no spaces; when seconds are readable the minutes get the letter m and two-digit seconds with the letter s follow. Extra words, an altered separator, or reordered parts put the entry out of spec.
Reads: 1h20
